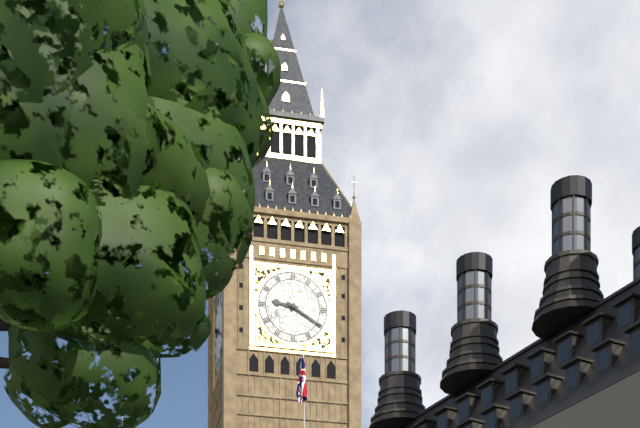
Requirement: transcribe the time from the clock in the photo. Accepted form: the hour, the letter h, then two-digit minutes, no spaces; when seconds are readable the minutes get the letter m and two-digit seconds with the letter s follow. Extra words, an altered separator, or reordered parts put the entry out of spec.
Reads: 9h20
